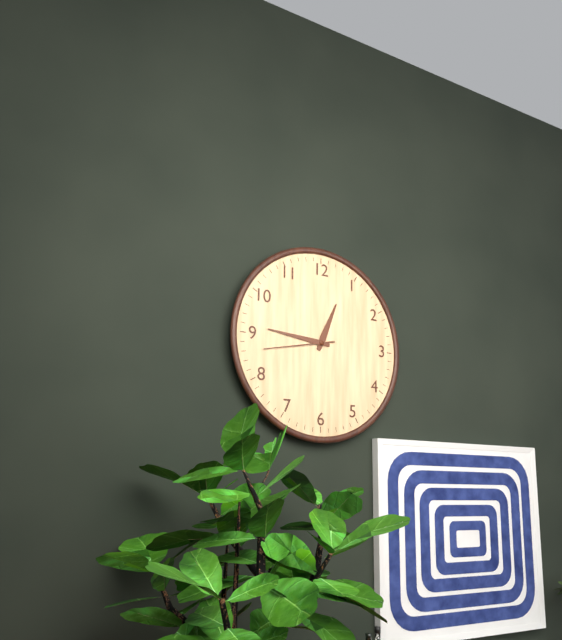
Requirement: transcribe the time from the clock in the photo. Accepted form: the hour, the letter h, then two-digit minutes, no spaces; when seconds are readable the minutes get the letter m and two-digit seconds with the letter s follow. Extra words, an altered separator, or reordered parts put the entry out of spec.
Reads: 12h46m43s
